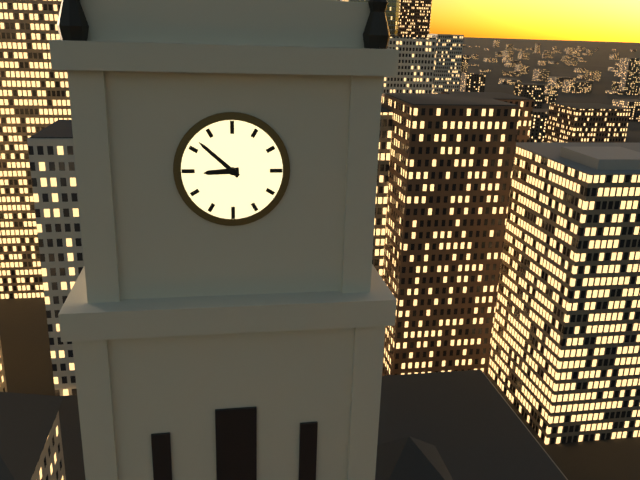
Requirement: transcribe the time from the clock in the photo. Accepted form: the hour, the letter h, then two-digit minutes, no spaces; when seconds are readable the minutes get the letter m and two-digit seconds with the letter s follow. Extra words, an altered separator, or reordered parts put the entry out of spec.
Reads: 8h52
